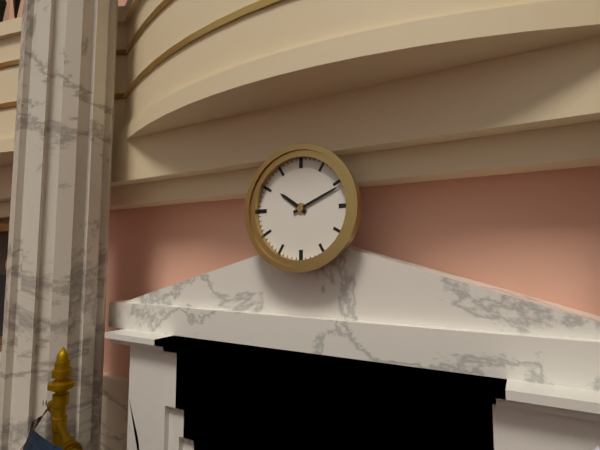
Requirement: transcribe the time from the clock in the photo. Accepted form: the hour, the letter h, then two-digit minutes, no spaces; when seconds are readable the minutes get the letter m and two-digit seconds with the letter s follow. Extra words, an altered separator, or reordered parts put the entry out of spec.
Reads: 10h11
